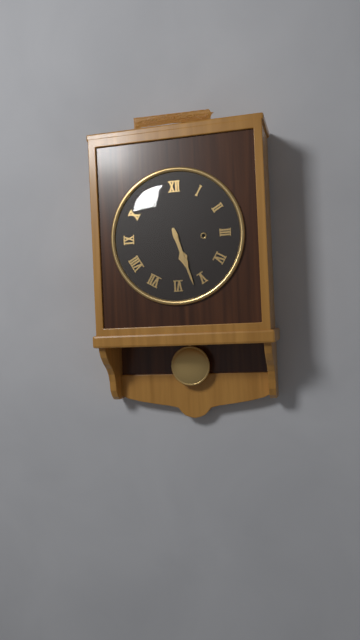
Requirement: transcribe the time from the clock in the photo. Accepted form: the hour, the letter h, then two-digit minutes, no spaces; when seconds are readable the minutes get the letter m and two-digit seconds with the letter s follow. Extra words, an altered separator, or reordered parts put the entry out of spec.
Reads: 5h27
